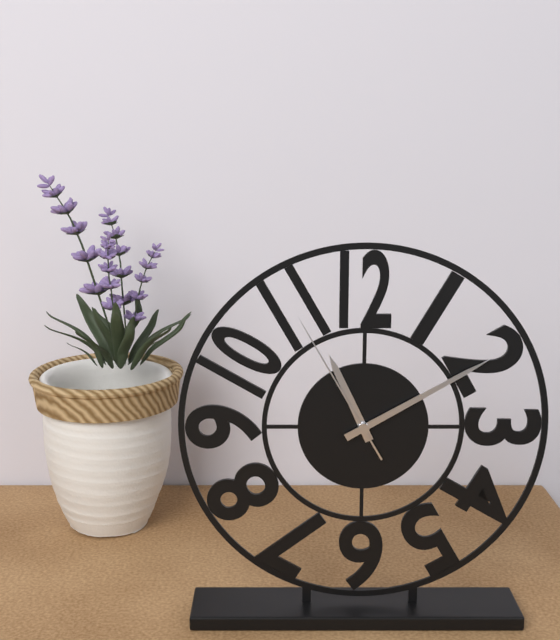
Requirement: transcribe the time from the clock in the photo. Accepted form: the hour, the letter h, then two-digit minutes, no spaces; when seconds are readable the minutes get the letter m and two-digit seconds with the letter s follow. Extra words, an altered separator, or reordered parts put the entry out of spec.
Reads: 11h10m55s
